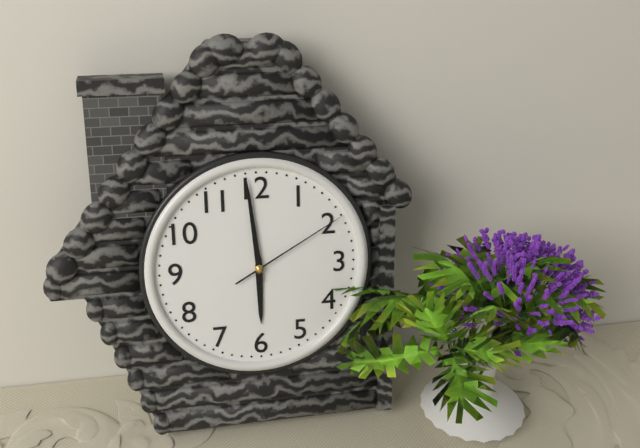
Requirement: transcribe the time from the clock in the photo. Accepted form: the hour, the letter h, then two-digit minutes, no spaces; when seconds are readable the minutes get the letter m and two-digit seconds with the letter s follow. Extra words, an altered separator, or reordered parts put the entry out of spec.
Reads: 5h59m10s
